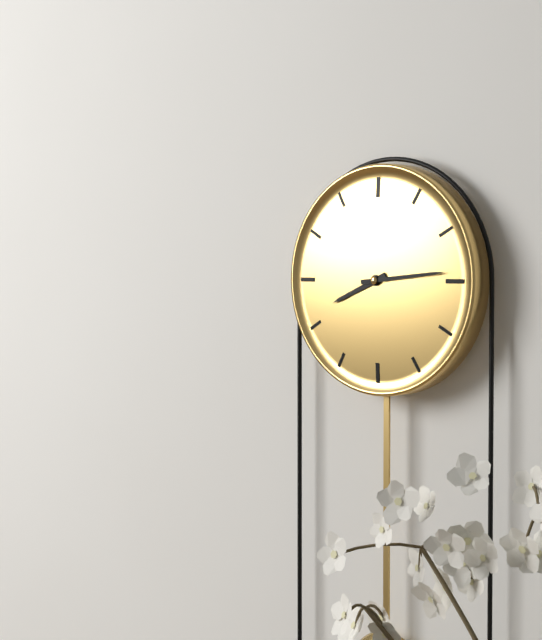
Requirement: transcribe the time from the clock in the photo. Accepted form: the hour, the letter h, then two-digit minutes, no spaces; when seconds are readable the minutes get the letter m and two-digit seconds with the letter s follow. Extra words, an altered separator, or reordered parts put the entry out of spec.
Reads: 8h14
